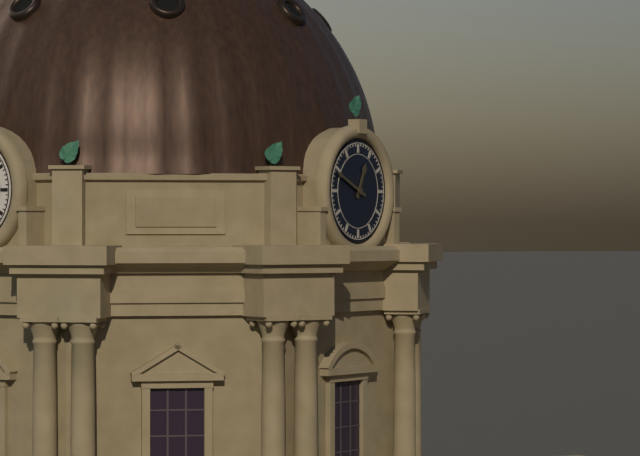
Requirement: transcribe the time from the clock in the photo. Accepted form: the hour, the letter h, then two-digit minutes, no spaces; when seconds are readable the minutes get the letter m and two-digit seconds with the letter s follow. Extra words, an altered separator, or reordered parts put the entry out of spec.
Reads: 12h49
